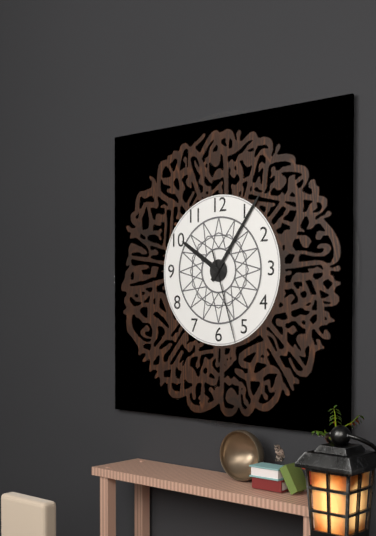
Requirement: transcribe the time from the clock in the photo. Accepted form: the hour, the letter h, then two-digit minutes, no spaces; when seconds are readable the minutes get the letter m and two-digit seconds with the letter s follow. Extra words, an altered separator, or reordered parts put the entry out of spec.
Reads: 10h06m27s
